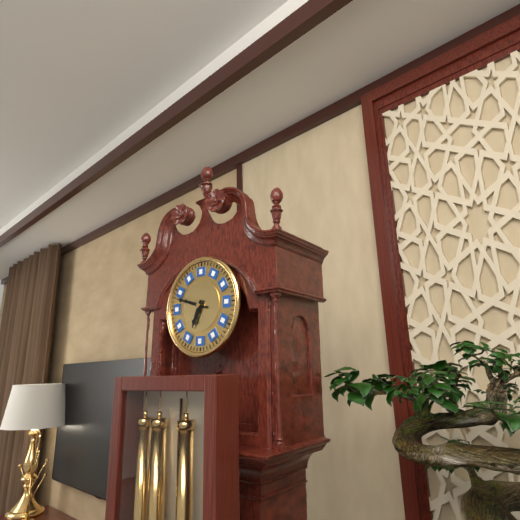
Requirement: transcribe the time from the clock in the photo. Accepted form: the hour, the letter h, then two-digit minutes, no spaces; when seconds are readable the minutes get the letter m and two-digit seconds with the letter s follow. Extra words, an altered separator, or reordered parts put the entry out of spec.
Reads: 6h48
